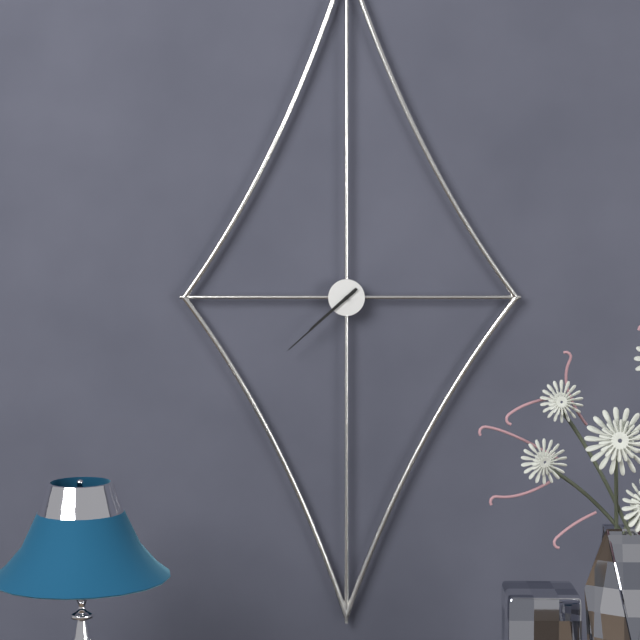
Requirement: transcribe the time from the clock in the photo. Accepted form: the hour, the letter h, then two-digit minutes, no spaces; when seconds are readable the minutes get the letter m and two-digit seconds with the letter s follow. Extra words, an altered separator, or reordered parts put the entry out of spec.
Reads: 7h38
